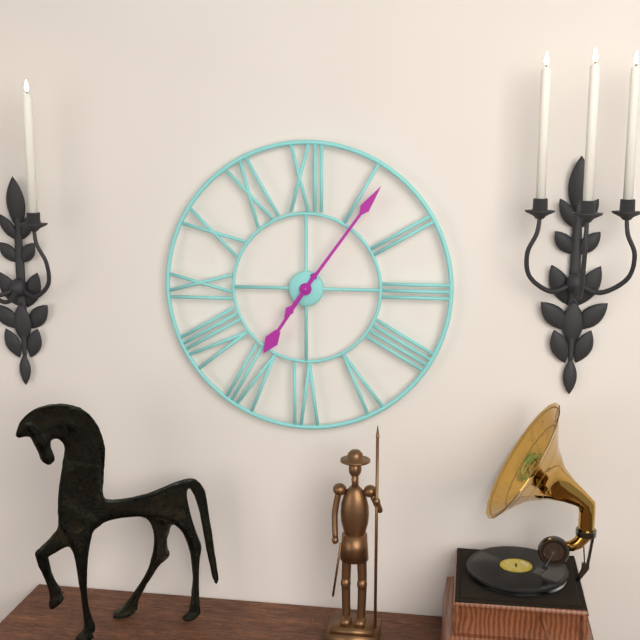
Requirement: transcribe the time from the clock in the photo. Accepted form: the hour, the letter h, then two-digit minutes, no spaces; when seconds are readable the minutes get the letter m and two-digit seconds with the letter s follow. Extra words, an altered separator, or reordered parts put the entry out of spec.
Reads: 7h06
